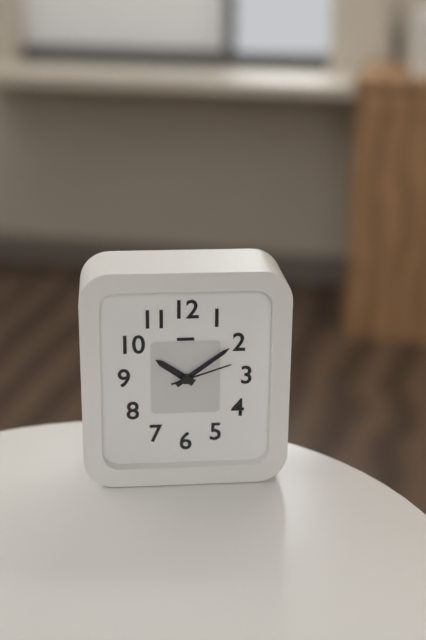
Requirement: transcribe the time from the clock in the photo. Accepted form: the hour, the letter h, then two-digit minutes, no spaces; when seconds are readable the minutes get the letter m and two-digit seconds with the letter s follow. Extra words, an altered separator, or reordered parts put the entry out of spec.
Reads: 10h09m12s
